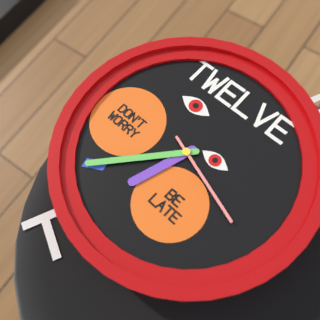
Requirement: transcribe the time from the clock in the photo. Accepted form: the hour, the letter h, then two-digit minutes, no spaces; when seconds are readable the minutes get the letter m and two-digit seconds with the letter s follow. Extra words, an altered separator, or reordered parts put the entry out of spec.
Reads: 6h37m18s
